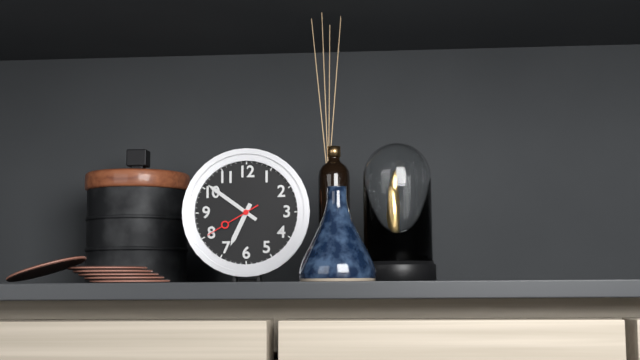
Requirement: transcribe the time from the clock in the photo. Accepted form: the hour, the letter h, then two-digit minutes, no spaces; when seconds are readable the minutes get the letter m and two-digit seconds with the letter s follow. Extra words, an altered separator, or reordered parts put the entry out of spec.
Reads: 6h51m40s
